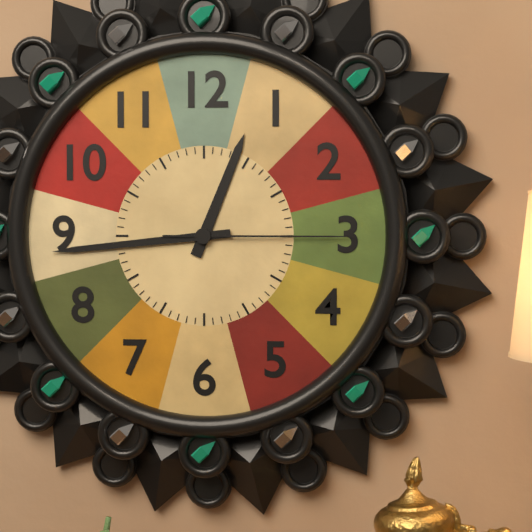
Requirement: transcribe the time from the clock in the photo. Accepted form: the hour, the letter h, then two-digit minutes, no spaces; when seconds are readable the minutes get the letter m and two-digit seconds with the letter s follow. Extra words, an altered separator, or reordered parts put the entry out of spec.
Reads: 12h44m15s
